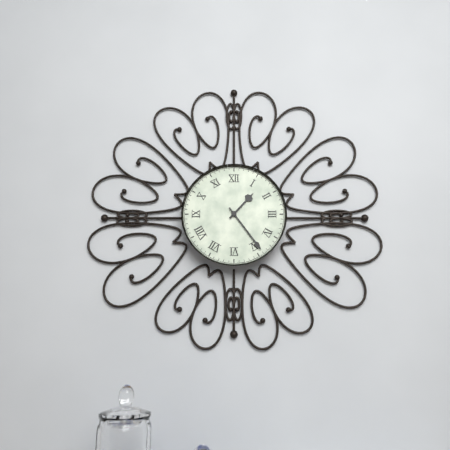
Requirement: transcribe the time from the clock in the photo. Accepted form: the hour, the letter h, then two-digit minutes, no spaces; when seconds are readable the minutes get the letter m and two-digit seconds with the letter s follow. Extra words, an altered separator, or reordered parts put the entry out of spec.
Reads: 1h24
